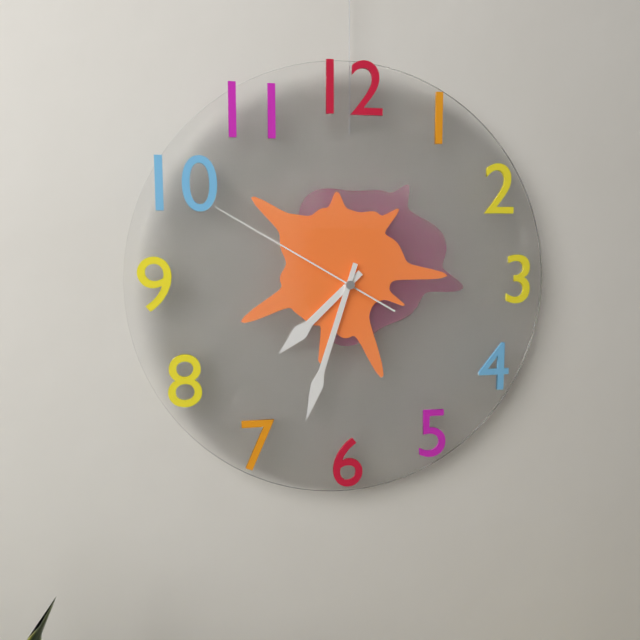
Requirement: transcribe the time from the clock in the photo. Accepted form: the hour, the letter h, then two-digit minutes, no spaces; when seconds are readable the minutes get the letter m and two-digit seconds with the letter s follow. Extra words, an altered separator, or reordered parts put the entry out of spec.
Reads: 7h33m50s
